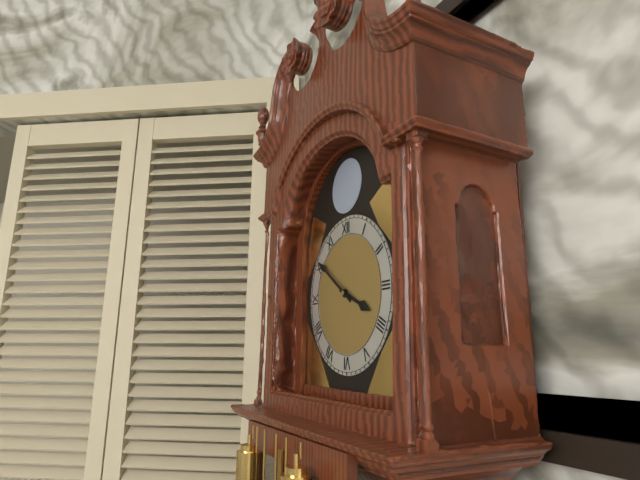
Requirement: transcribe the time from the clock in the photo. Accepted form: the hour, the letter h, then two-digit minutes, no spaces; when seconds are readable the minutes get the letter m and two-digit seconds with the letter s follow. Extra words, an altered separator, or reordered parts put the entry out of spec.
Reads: 3h51
